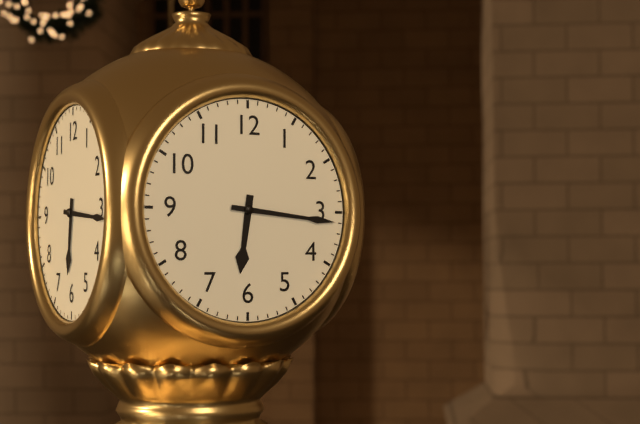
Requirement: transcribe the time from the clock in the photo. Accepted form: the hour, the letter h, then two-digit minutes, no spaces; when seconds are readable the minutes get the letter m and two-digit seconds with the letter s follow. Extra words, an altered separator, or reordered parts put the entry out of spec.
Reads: 6h16
